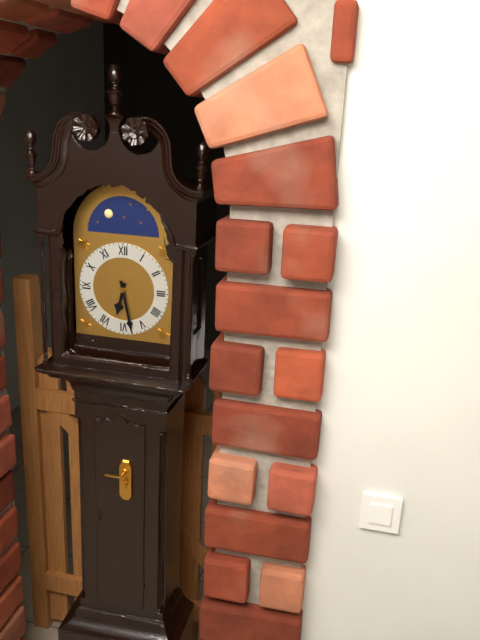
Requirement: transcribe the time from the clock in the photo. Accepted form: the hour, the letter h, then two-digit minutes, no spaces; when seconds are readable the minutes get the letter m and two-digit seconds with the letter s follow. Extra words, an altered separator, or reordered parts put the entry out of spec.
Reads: 6h28
